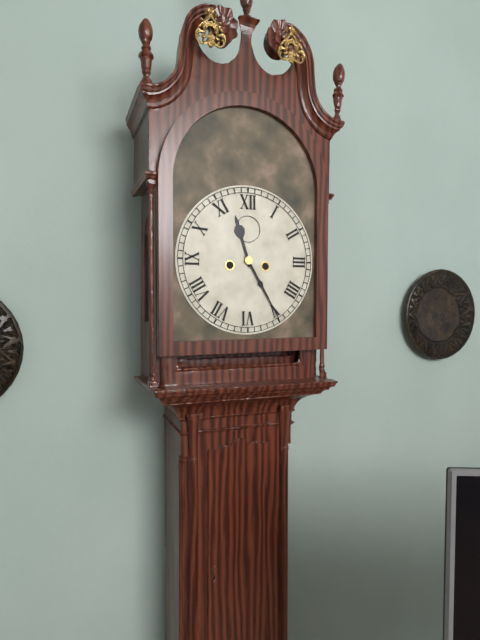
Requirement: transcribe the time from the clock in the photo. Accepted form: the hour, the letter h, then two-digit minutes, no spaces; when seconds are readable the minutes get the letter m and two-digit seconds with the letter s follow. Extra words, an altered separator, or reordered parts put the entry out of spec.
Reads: 11h25
